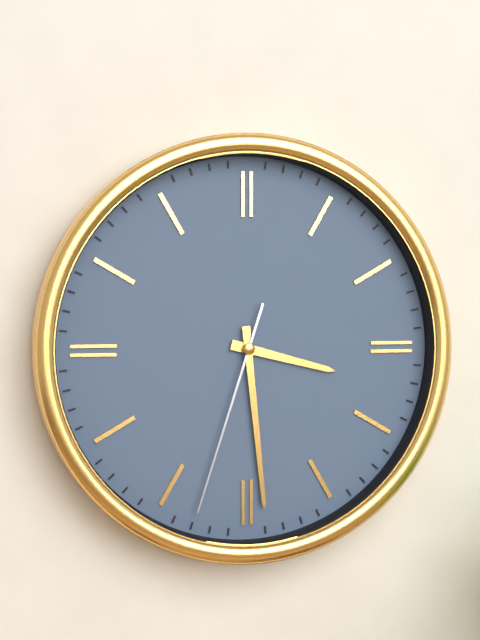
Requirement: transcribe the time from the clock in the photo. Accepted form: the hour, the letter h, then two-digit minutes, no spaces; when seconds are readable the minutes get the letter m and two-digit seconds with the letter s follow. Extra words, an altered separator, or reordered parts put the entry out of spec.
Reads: 3h29m33s
